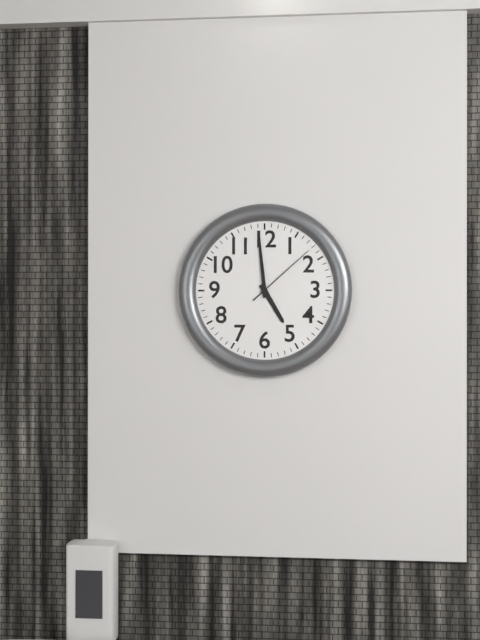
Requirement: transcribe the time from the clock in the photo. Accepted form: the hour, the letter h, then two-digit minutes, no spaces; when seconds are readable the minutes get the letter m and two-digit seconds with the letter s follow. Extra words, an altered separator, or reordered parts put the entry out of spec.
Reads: 4h59m08s
